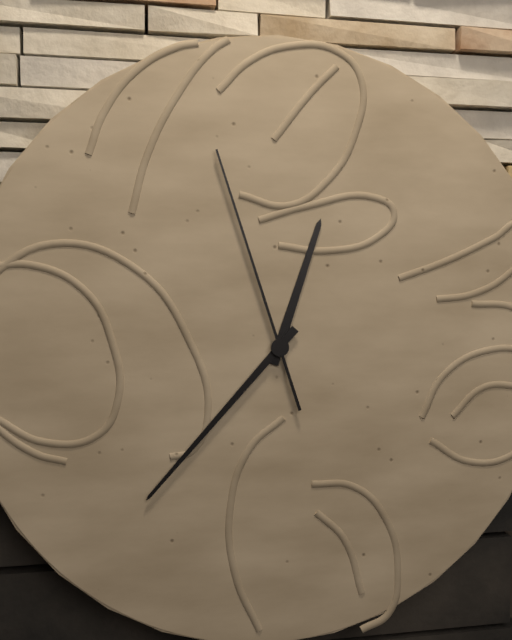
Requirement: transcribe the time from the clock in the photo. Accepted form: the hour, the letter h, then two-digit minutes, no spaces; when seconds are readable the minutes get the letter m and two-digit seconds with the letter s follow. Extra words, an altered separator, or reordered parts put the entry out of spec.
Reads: 12h37m57s
